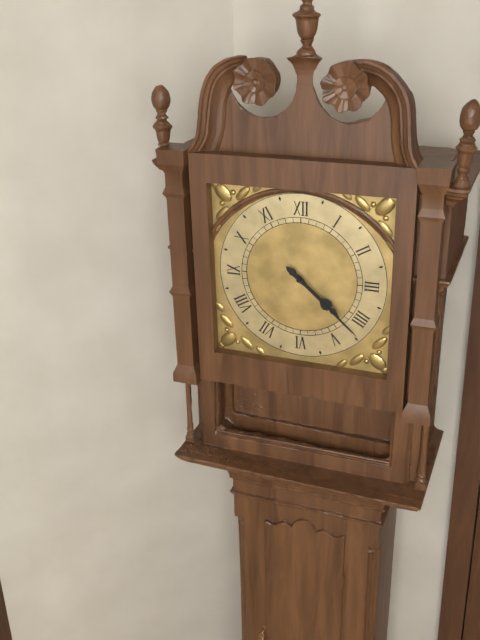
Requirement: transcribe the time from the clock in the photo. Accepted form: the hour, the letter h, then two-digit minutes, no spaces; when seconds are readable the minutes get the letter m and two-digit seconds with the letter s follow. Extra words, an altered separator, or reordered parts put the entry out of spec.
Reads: 4h22
